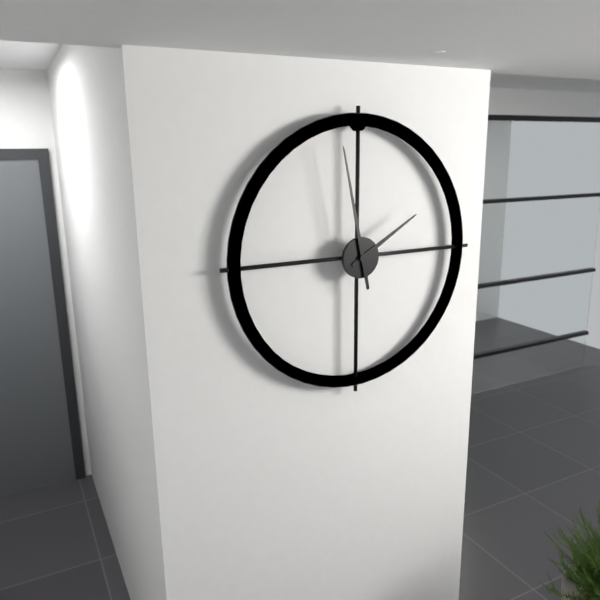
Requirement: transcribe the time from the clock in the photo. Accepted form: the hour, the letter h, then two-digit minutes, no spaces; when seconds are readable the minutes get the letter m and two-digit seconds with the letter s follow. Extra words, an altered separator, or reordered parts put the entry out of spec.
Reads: 1h58
